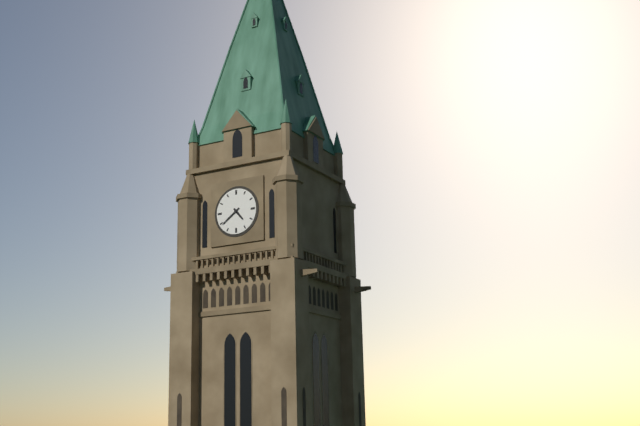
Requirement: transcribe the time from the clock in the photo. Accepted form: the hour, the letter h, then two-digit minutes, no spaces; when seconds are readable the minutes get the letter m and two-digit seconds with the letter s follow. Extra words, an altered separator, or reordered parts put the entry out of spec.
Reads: 4h39
